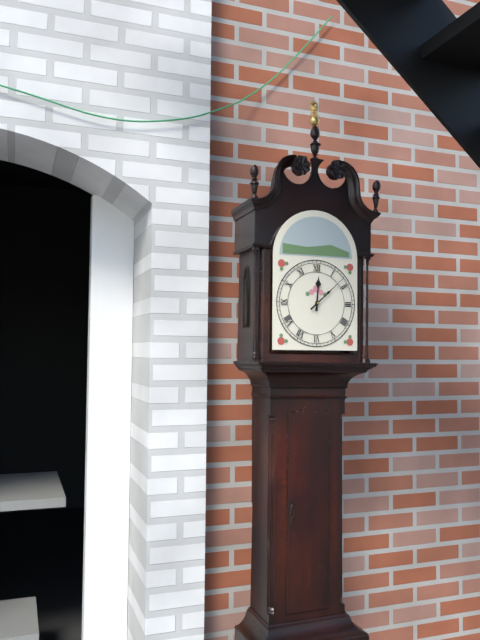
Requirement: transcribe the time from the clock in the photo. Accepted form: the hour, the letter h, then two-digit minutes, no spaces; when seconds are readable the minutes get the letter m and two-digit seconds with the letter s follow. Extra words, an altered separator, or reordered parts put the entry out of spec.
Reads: 12h08
